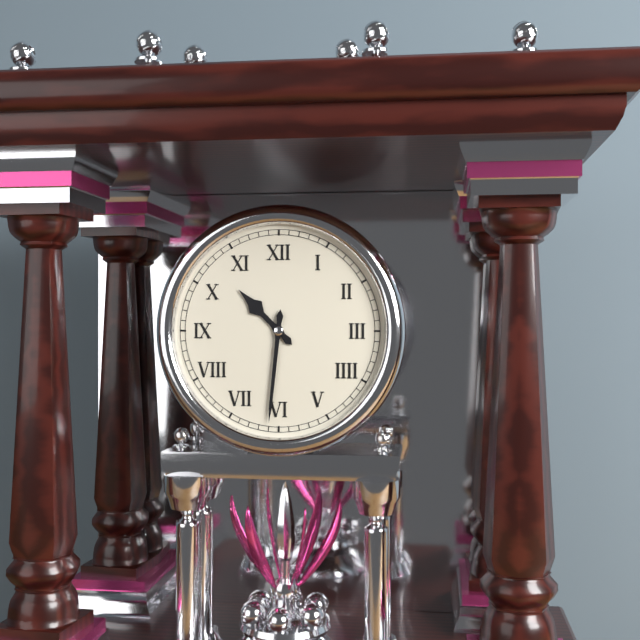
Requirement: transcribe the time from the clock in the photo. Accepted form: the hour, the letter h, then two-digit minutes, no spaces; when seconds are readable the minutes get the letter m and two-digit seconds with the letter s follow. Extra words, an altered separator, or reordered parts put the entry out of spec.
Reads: 10h31
